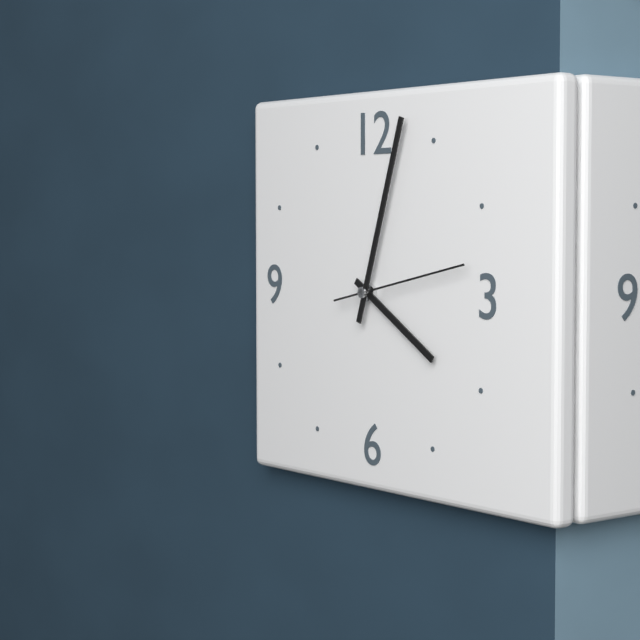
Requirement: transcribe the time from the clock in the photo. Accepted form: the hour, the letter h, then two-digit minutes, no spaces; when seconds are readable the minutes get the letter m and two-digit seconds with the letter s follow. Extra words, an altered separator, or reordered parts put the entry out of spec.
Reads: 4h03m13s
